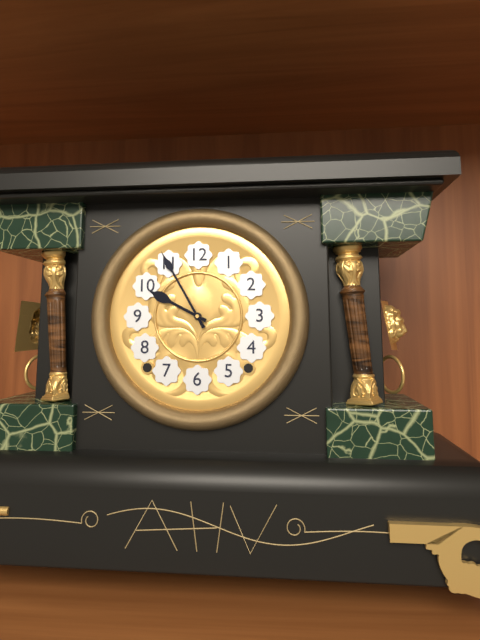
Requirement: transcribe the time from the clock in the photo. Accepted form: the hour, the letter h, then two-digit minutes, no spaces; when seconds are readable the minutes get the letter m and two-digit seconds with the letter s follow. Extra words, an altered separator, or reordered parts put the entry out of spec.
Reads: 9h55
